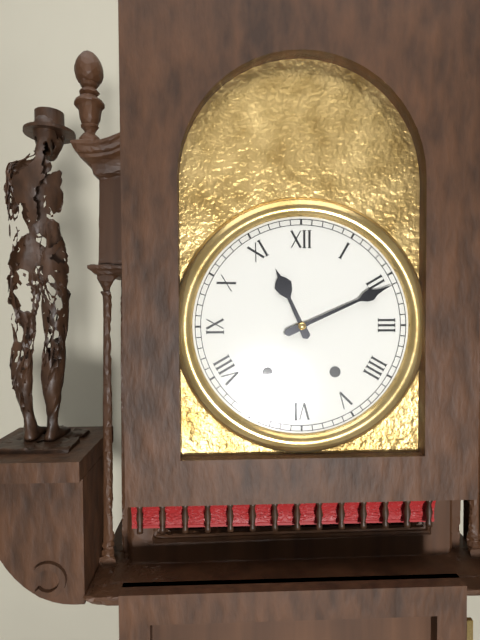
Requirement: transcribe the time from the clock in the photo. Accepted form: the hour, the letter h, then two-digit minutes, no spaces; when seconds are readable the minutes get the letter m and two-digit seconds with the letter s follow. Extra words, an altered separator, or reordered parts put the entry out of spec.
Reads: 11h11
